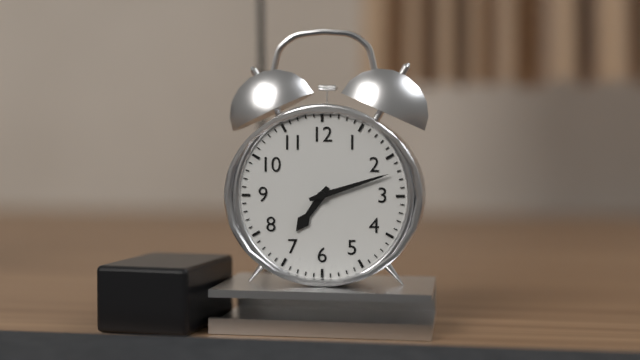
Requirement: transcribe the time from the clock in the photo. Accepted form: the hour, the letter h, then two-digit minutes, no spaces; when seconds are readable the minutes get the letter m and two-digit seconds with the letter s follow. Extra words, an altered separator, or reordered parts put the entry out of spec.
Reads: 7h12
